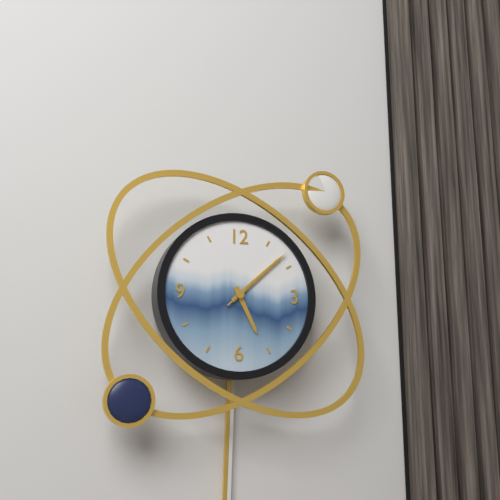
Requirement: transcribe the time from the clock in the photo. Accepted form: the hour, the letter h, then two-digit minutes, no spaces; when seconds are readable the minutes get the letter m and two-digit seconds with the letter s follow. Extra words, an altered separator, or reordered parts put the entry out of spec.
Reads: 5h08m08s
